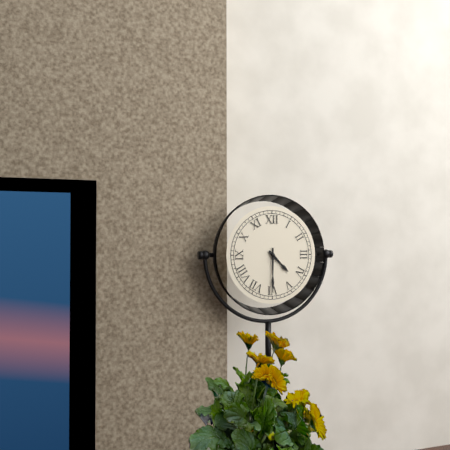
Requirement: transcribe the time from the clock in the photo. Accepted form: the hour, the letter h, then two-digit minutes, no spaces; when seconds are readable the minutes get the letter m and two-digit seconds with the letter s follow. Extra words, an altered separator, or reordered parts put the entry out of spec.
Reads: 4h30
